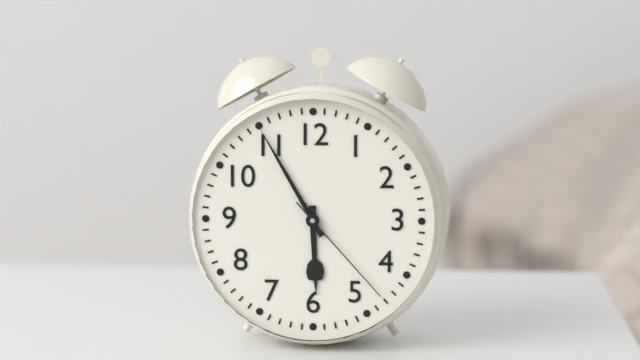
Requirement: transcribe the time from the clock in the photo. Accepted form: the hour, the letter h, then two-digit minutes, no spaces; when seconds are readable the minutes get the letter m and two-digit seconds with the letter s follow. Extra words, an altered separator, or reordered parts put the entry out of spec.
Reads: 5h55m23s
